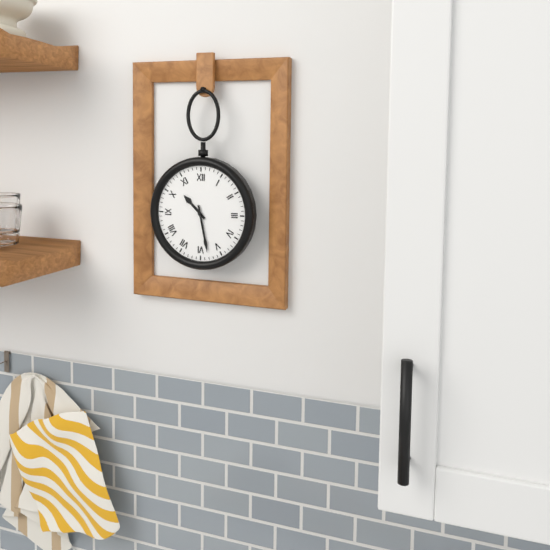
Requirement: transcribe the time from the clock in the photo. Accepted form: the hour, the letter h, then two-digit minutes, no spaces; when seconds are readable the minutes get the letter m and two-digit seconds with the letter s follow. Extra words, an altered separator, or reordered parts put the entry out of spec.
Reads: 10h28
